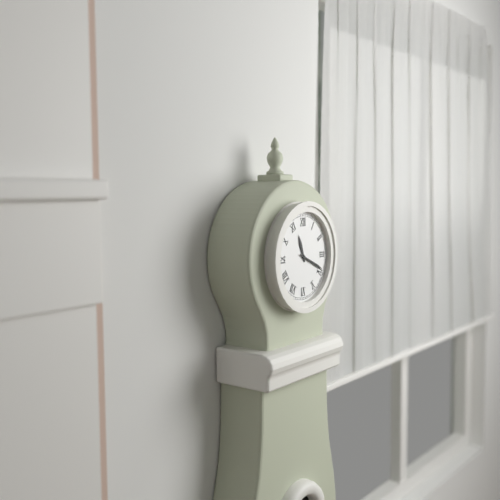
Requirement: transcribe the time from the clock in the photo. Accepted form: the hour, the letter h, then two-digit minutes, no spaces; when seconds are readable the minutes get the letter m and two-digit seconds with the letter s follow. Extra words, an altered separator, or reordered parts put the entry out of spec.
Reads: 11h19
